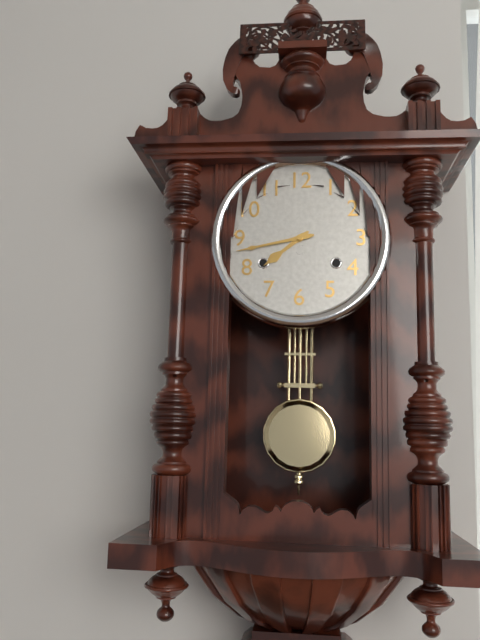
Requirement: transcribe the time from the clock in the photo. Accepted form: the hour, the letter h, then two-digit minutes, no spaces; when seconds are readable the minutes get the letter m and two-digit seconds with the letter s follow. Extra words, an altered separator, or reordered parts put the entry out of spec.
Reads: 7h43
